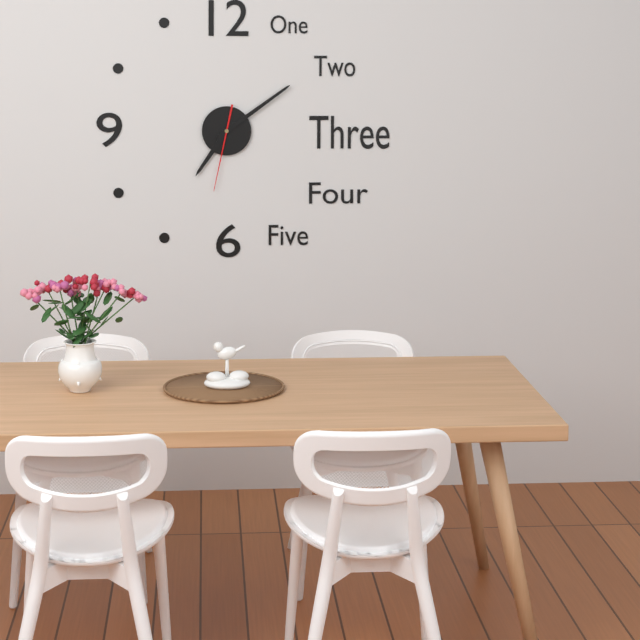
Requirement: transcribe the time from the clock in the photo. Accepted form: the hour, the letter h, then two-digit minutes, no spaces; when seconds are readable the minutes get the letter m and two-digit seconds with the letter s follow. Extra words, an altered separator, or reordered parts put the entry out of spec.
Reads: 7h09m32s
